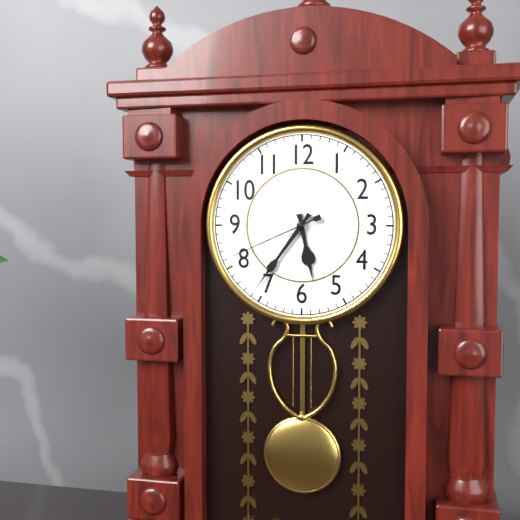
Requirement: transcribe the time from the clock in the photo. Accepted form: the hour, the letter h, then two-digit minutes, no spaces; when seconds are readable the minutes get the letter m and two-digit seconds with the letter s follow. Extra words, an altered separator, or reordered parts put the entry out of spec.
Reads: 5h36m41s
